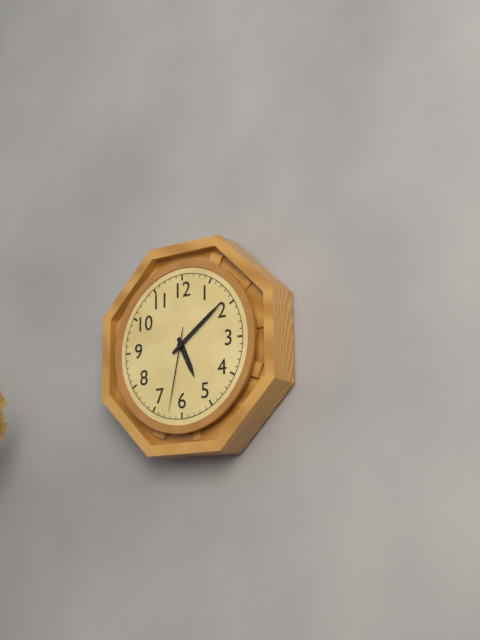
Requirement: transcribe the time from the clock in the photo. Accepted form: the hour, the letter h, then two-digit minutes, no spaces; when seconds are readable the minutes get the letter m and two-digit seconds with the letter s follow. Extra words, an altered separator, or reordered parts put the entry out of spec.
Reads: 5h09m32s
